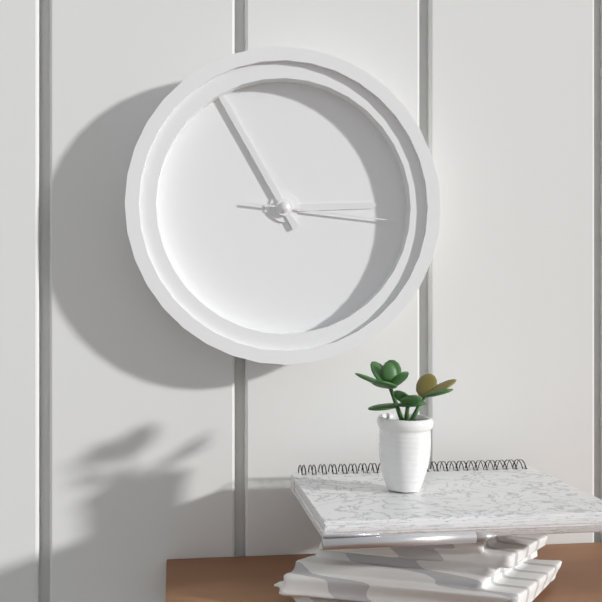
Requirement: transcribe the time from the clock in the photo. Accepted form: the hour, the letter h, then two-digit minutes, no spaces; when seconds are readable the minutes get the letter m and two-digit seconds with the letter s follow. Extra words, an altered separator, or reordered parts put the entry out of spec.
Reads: 2h55m16s
